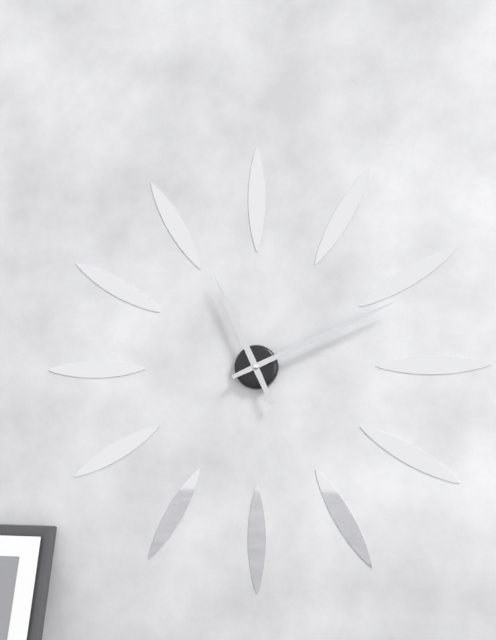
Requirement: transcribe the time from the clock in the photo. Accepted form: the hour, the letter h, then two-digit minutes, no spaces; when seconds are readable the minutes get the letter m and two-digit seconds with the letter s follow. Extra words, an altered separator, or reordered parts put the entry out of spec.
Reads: 11h11
